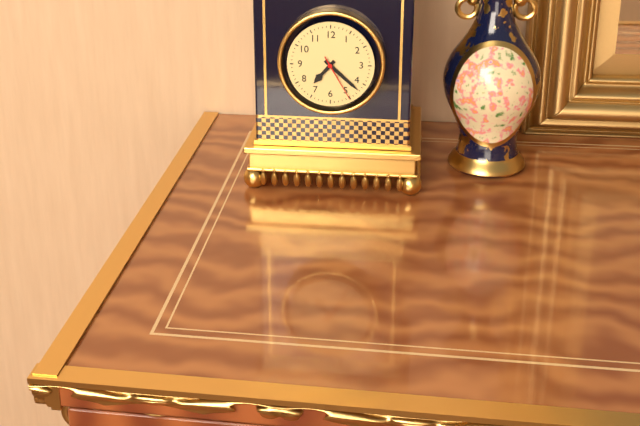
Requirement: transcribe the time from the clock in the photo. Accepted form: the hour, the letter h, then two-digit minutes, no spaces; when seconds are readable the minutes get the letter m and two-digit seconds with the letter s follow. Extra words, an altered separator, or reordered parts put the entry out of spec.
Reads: 7h22
